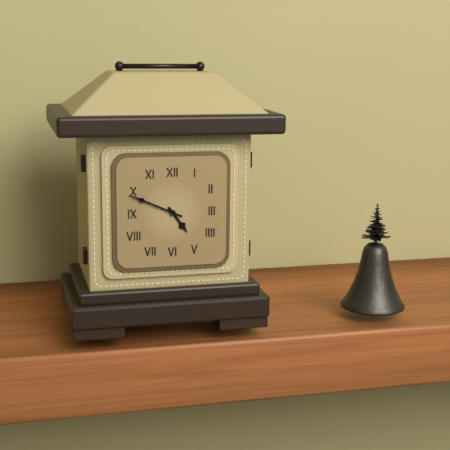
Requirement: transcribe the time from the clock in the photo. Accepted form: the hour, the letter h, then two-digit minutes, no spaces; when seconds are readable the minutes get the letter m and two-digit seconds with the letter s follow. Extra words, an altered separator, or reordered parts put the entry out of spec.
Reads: 4h49
